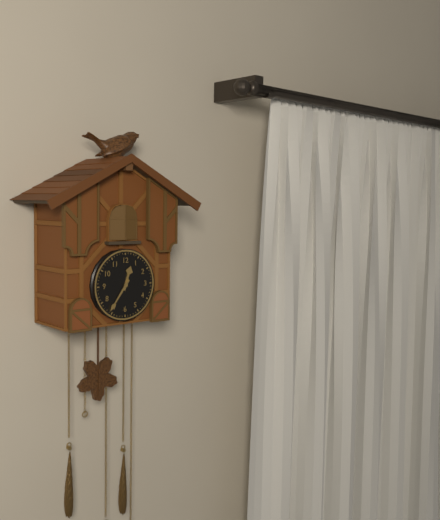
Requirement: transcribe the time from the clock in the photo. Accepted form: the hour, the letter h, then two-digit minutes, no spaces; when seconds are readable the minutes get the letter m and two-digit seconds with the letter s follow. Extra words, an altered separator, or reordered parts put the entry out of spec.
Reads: 12h36
